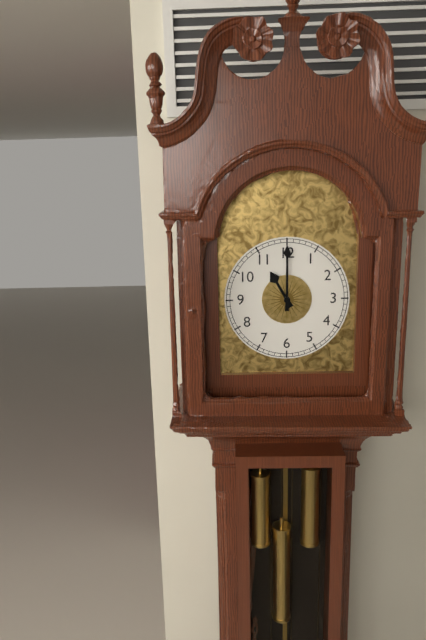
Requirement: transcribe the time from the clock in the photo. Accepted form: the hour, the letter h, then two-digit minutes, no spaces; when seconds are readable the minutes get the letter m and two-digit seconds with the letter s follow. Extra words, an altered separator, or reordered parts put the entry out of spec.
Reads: 11h00
